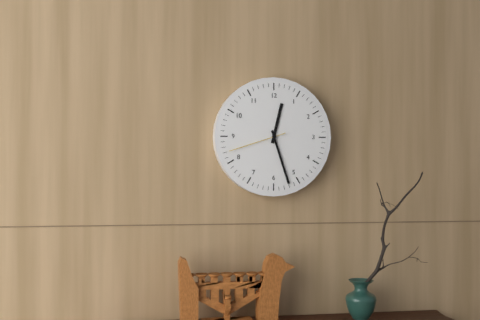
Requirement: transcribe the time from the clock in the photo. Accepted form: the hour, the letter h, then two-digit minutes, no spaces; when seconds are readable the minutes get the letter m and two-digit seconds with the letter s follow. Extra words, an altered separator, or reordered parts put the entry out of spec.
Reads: 12h27m42s
